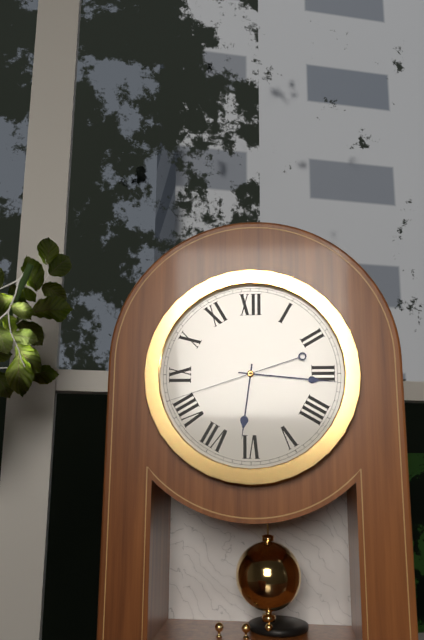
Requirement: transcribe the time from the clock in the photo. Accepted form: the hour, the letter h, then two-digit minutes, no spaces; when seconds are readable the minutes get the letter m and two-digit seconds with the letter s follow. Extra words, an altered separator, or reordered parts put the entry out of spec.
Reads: 6h16m42s
